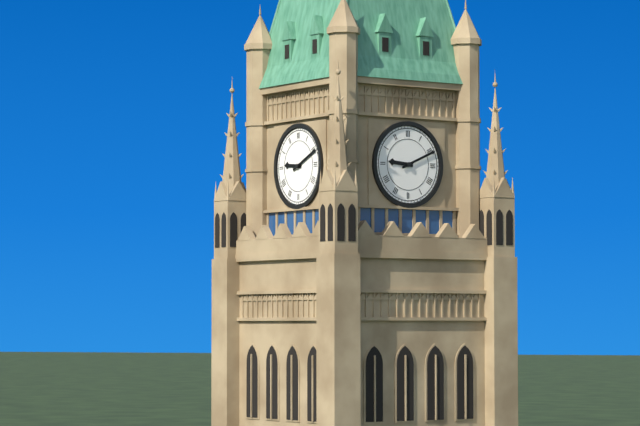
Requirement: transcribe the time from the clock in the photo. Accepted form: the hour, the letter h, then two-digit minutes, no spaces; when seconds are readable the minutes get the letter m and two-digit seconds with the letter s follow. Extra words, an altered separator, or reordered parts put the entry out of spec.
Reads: 9h11
